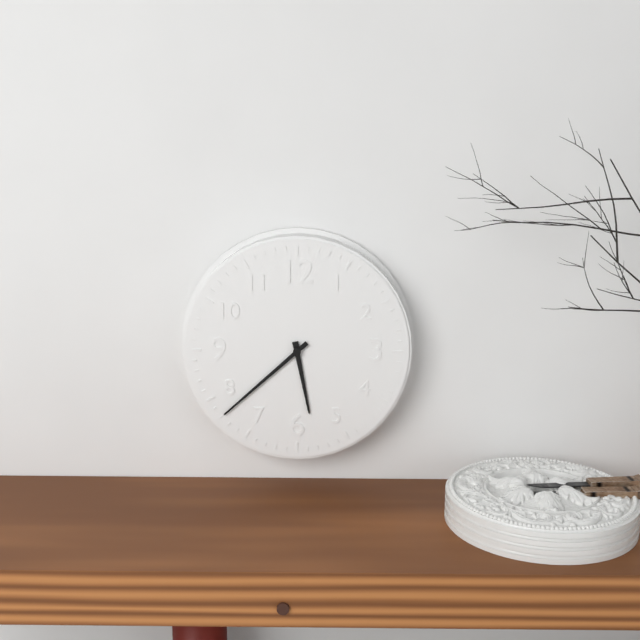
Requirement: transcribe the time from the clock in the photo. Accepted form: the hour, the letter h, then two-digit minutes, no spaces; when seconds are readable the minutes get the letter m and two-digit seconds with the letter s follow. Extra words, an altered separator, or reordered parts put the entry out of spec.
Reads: 5h38
